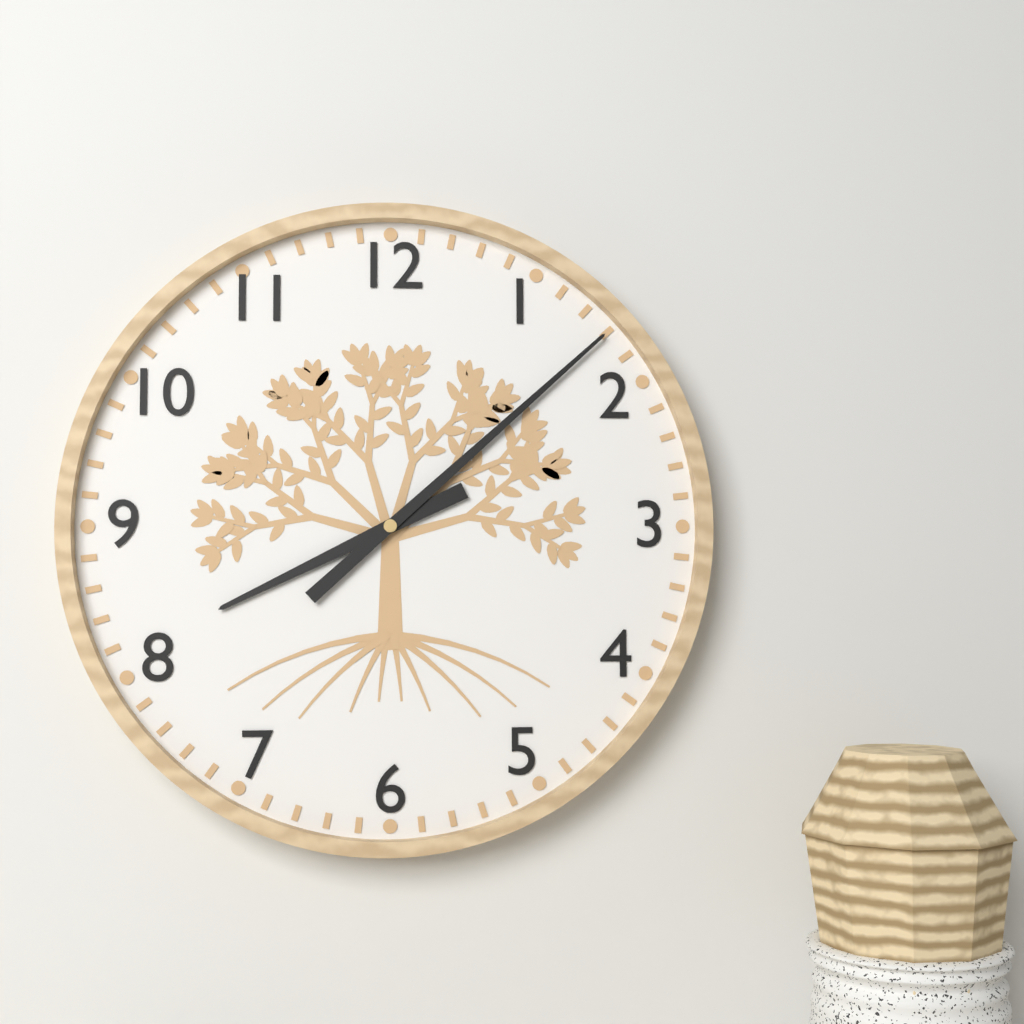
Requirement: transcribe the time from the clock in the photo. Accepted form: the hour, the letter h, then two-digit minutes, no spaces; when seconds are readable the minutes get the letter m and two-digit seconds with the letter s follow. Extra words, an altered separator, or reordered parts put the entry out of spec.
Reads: 8h08
